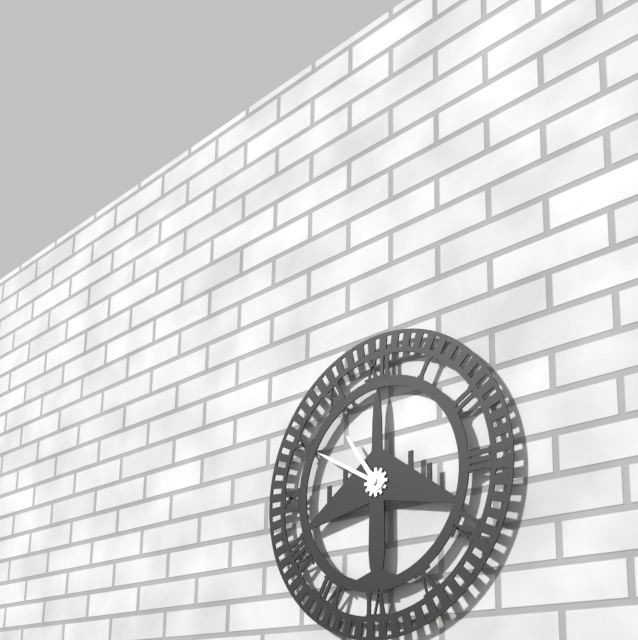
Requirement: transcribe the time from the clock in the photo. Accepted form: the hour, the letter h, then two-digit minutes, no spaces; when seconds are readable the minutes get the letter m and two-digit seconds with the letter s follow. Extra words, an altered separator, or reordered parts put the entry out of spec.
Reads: 10h50
